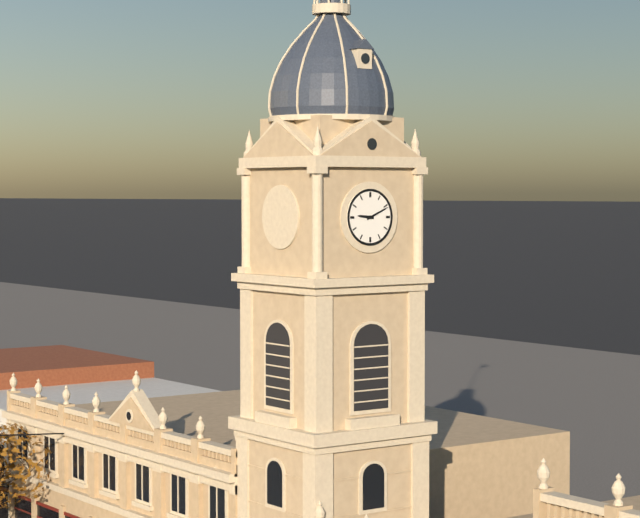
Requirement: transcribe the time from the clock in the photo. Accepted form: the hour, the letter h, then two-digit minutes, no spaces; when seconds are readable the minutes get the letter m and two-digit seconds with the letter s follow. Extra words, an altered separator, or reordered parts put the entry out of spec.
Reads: 9h11
